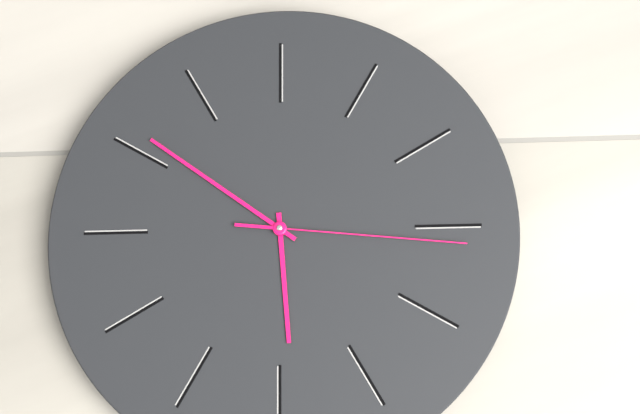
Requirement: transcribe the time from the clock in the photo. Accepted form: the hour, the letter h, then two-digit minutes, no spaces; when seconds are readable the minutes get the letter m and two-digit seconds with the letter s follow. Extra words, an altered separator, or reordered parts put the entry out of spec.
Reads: 5h51m16s
